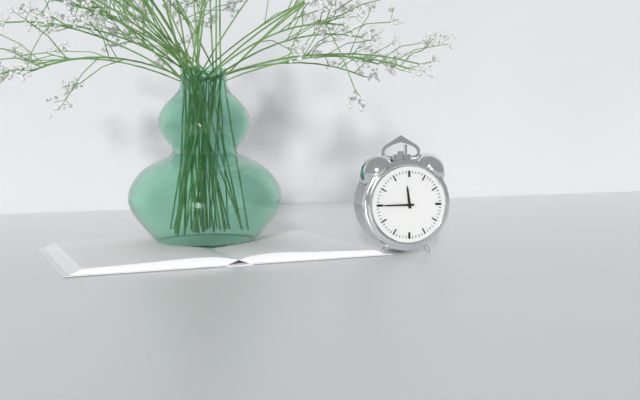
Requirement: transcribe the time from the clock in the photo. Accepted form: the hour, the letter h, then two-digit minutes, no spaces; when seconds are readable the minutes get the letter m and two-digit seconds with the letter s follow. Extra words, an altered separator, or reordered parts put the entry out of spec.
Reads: 11h45
